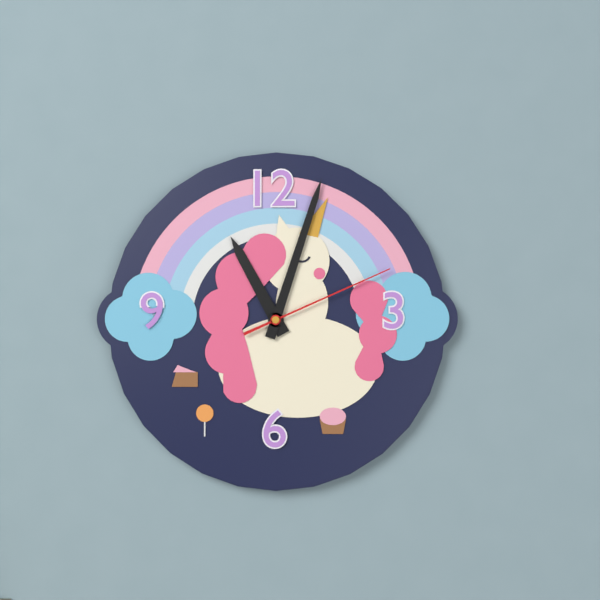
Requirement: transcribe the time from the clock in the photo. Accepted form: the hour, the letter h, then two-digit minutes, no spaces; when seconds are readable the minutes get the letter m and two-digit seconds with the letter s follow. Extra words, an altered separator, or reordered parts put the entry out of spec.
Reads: 11h03m11s
